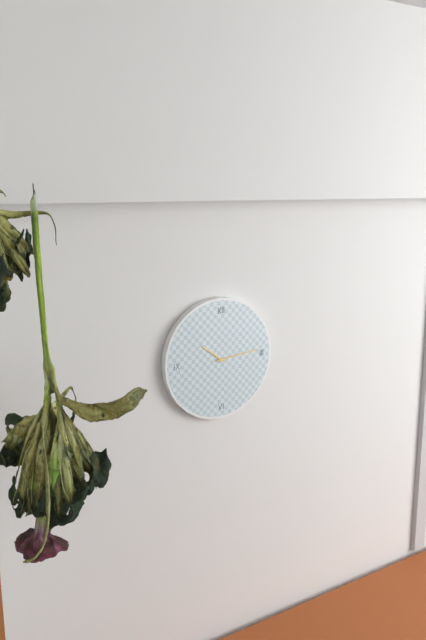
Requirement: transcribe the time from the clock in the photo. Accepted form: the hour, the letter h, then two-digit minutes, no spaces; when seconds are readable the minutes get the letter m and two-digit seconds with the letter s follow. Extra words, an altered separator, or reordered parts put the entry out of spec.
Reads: 10h14
